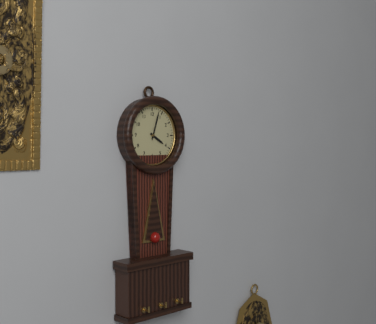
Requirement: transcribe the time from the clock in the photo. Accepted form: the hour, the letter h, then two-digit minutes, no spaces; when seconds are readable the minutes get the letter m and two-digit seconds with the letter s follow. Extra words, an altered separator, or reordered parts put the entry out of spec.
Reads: 4h03
